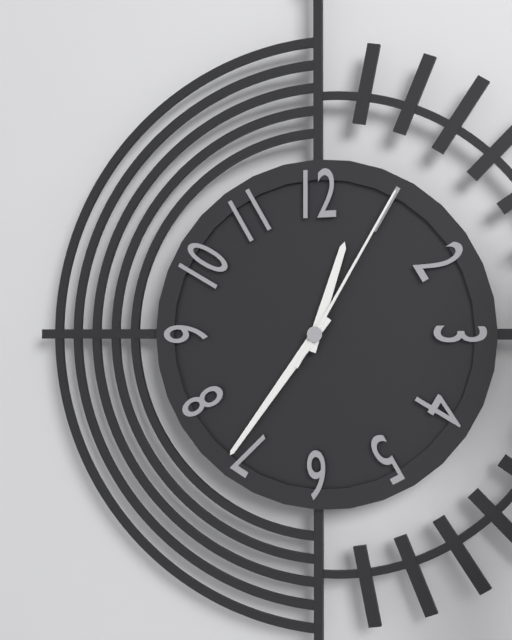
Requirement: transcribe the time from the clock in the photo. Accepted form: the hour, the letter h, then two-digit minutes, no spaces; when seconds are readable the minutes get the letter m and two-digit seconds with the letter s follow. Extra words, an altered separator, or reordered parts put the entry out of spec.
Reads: 12h36m05s
